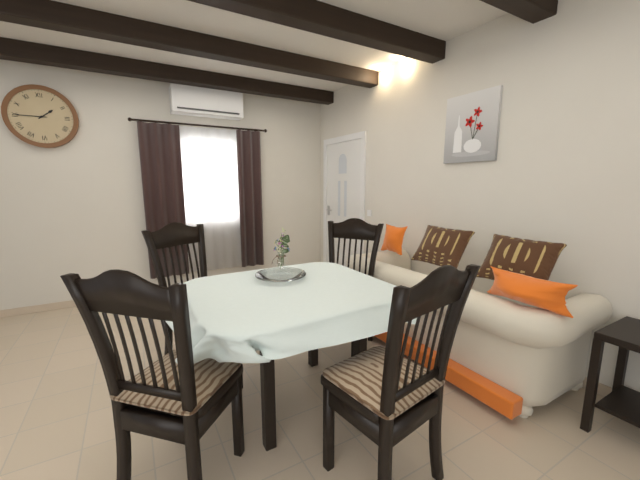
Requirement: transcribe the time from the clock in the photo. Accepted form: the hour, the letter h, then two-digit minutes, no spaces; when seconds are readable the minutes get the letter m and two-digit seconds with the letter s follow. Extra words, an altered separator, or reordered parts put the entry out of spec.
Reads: 1h45
